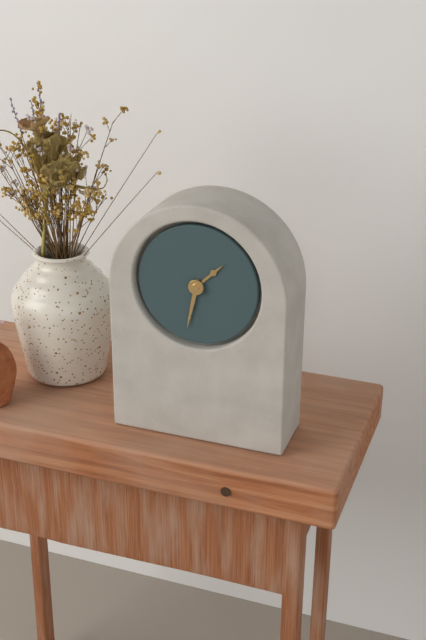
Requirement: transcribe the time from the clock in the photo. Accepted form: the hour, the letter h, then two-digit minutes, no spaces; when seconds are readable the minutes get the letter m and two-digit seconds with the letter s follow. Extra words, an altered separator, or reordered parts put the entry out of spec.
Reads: 1h32
